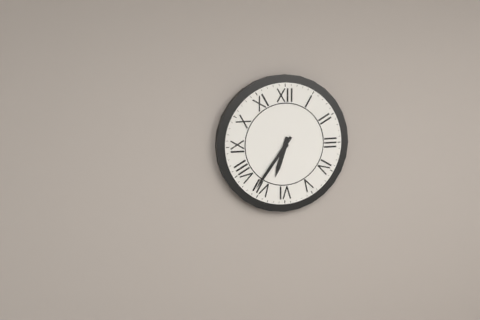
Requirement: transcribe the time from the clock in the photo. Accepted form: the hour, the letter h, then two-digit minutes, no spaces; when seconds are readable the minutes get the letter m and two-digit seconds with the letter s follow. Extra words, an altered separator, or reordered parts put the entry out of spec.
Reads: 6h36
